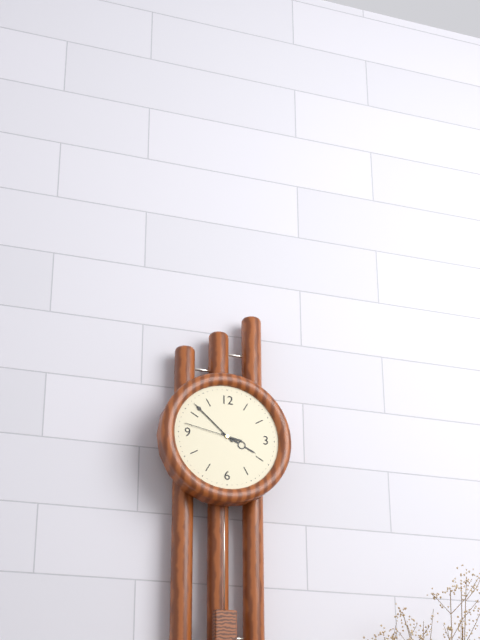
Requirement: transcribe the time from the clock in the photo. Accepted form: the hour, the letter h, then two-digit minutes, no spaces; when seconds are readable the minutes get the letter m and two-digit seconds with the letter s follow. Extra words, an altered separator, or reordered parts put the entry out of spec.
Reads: 3h52m47s
